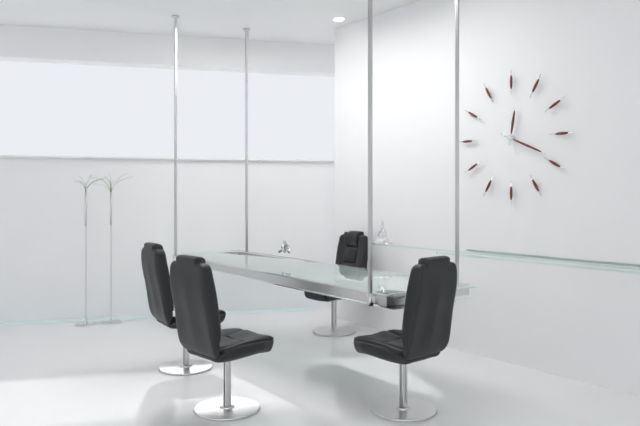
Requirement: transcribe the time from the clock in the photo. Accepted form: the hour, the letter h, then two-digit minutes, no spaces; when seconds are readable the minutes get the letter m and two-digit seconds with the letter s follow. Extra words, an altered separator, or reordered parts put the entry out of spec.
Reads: 12h19
